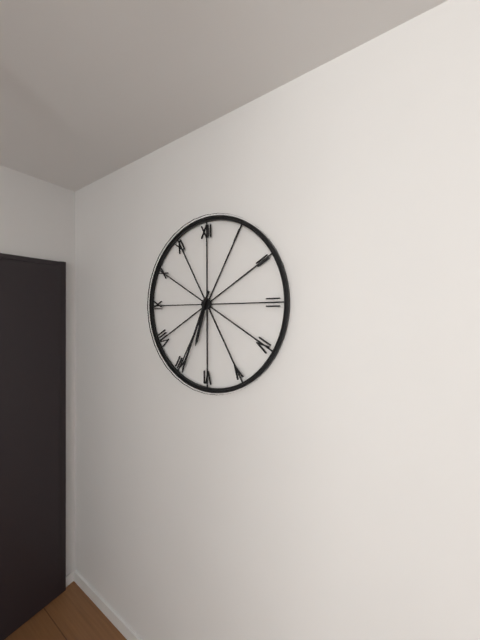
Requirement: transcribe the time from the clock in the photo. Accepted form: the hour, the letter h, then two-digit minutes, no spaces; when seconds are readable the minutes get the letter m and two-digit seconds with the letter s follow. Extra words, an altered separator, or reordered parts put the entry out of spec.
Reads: 6h34
